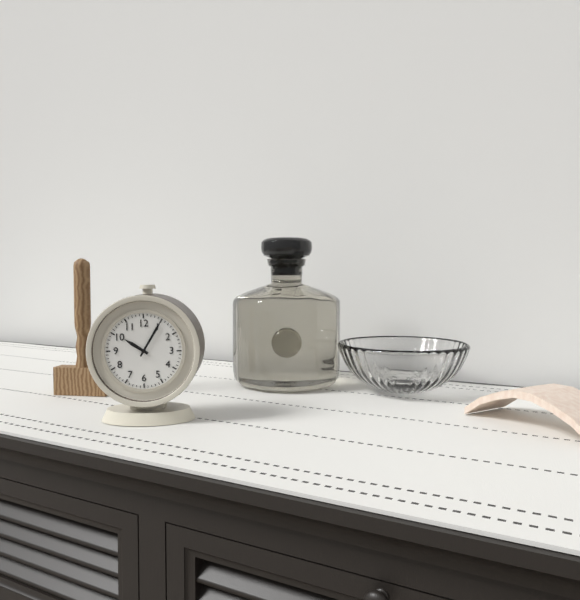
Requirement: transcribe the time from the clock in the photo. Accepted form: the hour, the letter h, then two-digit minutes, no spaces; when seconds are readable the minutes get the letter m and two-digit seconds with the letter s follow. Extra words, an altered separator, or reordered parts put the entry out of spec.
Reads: 10h05
